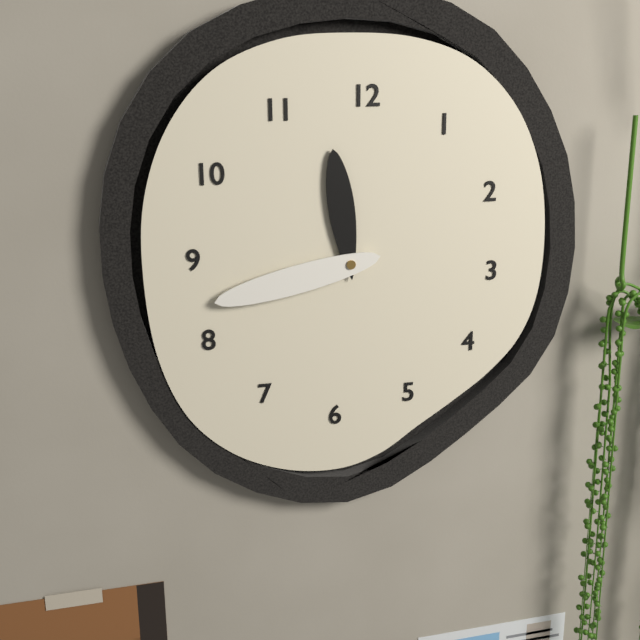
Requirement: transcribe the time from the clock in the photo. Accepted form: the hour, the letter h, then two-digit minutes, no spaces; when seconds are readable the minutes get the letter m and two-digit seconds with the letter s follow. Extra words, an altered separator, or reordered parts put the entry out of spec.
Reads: 11h43
